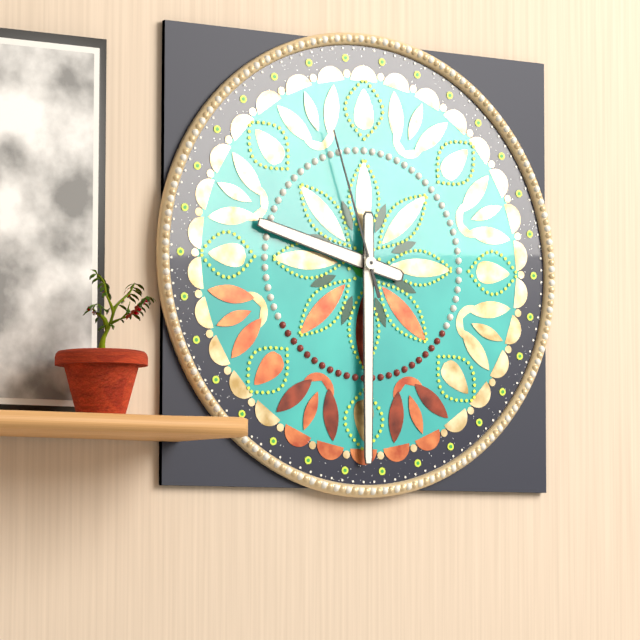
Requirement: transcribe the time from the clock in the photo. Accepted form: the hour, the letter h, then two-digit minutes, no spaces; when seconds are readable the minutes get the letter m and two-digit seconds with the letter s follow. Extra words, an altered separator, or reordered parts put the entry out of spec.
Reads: 9h30m57s
